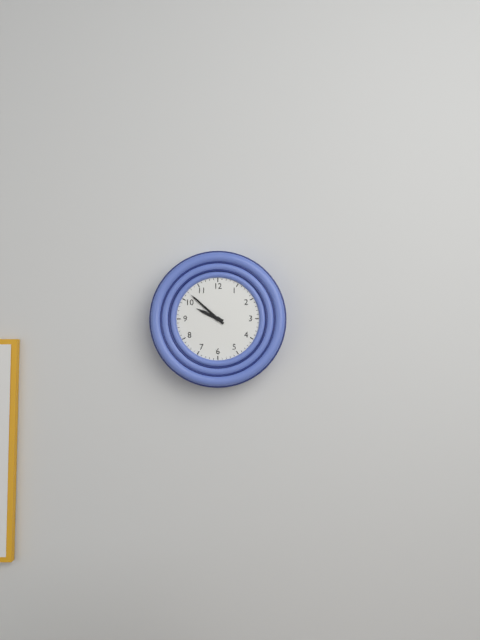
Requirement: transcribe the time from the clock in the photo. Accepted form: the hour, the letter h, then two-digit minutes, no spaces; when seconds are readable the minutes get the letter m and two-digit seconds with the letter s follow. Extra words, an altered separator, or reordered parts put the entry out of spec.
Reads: 9h52
